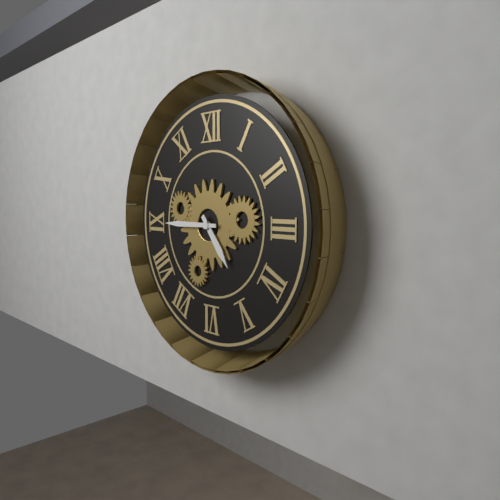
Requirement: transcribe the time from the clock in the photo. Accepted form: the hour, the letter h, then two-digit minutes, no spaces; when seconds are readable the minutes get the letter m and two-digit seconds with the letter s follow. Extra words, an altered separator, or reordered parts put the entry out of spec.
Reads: 4h45
